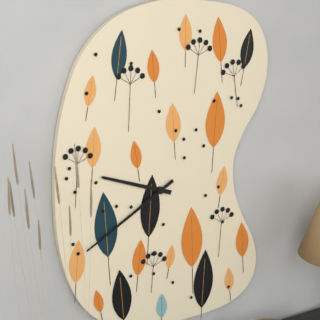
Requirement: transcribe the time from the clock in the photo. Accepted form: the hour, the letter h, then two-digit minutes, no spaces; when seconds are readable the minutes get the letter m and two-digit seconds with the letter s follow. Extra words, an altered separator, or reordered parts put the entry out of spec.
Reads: 9h40
